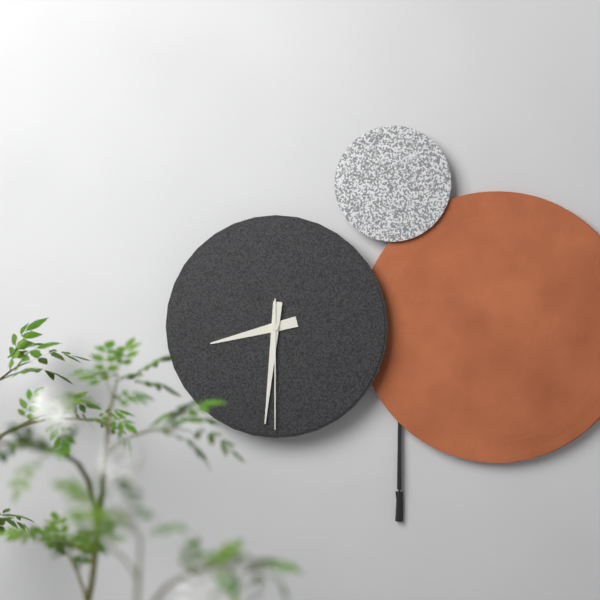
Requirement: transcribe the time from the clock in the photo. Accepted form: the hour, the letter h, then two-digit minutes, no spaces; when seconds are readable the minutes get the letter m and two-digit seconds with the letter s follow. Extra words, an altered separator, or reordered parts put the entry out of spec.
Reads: 8h31m30s
